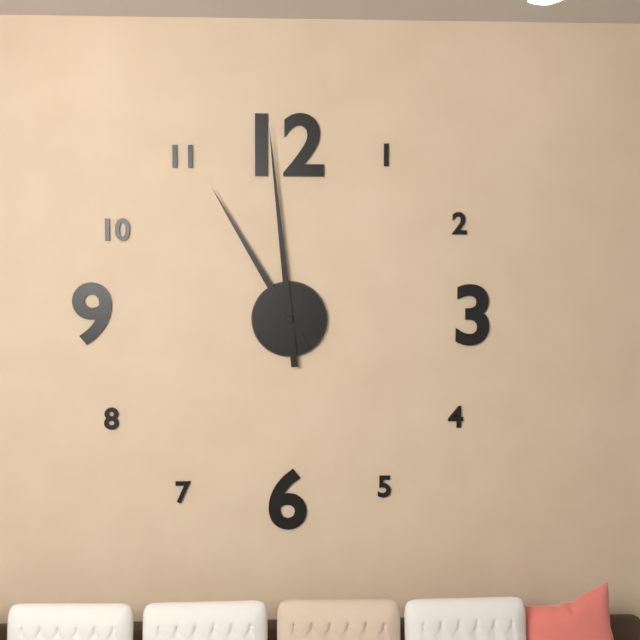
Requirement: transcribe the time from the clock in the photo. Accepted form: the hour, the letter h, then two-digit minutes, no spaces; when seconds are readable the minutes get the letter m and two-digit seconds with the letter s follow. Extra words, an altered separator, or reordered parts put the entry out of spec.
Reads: 10h59
